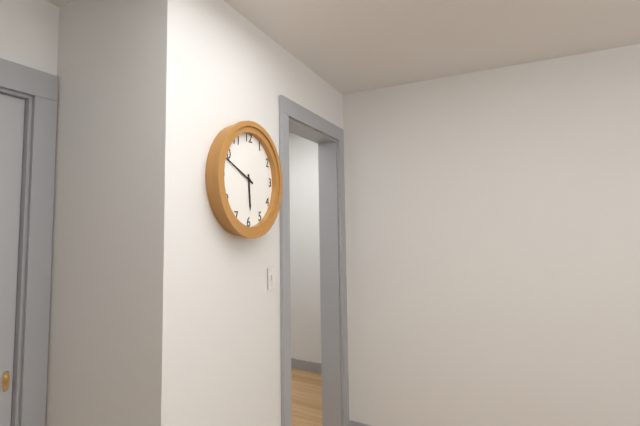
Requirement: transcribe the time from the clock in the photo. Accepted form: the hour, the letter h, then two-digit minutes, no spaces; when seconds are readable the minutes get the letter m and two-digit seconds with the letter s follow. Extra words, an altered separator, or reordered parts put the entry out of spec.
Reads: 5h49
